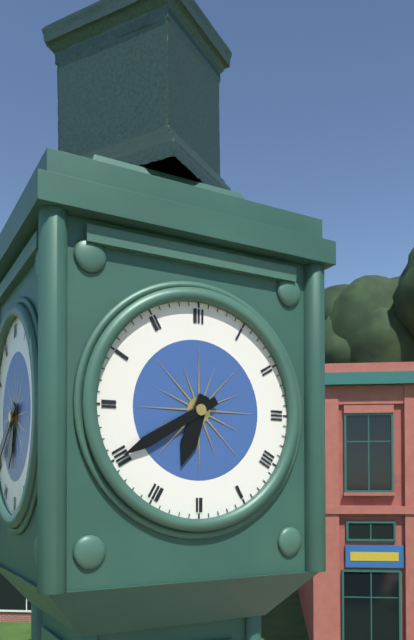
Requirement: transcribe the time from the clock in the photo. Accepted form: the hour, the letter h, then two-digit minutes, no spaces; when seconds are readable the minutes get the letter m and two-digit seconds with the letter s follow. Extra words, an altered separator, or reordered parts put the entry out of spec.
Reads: 6h40
